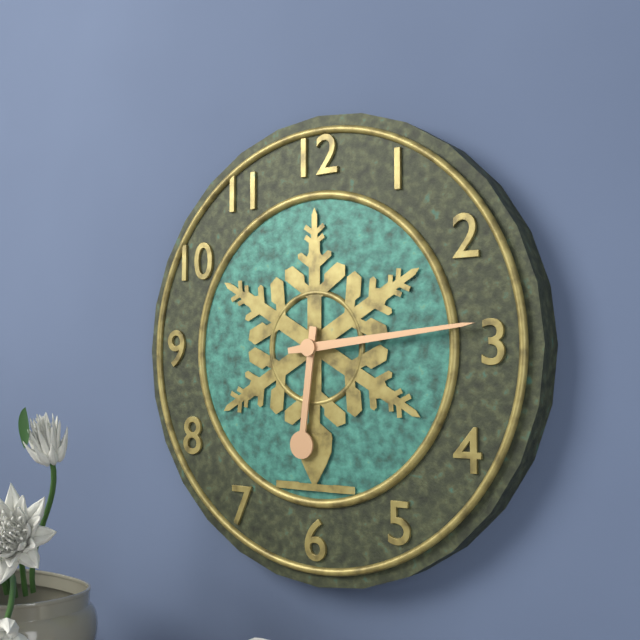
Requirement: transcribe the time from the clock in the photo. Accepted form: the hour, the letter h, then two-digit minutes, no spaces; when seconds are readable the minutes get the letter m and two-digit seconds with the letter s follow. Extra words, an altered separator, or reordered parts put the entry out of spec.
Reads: 6h14
